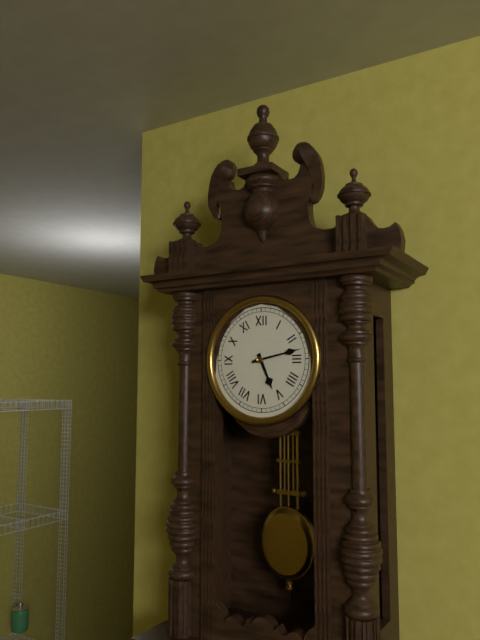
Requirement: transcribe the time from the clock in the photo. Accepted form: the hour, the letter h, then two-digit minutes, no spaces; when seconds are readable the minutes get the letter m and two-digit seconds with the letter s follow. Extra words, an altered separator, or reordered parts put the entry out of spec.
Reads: 5h13
